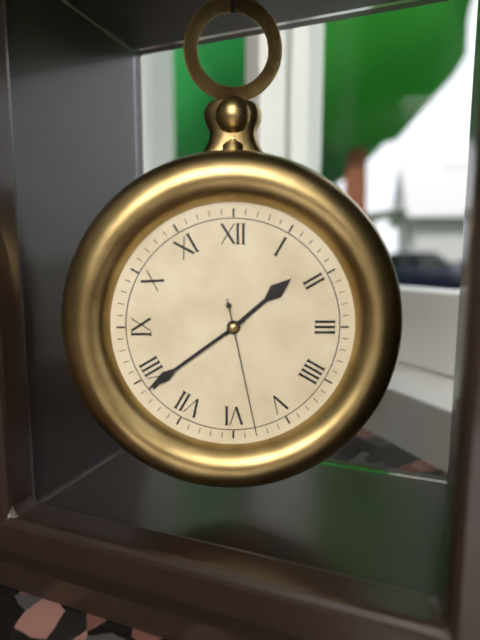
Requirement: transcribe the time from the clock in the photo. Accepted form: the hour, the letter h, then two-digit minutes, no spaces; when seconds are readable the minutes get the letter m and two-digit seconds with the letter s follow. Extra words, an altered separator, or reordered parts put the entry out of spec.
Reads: 1h39m28s
